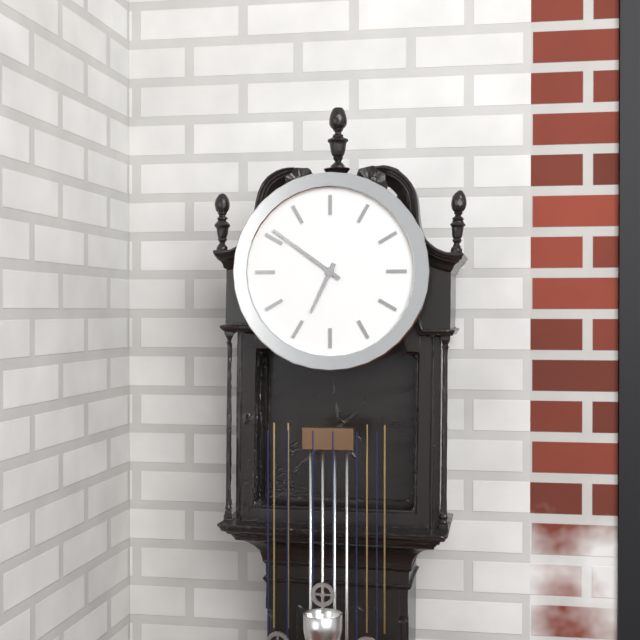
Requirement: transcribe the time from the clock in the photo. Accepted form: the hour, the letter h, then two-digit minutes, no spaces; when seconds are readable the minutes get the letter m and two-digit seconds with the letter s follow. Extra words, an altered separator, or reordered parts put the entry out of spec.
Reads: 6h51
